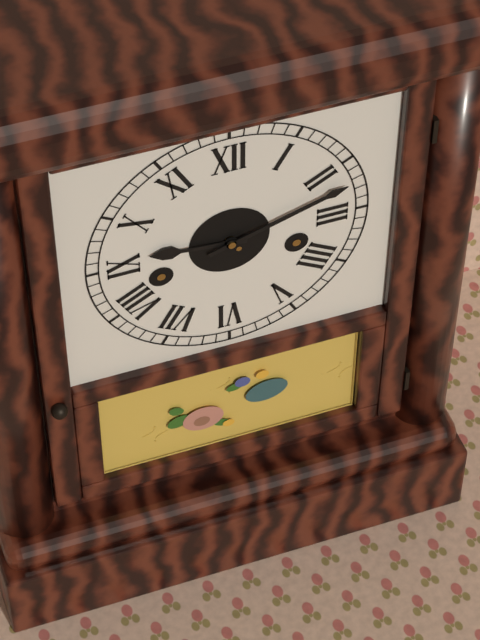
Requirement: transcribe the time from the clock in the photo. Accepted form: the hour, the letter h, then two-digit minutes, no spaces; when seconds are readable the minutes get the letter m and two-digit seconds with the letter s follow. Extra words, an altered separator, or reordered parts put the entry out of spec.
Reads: 9h12
